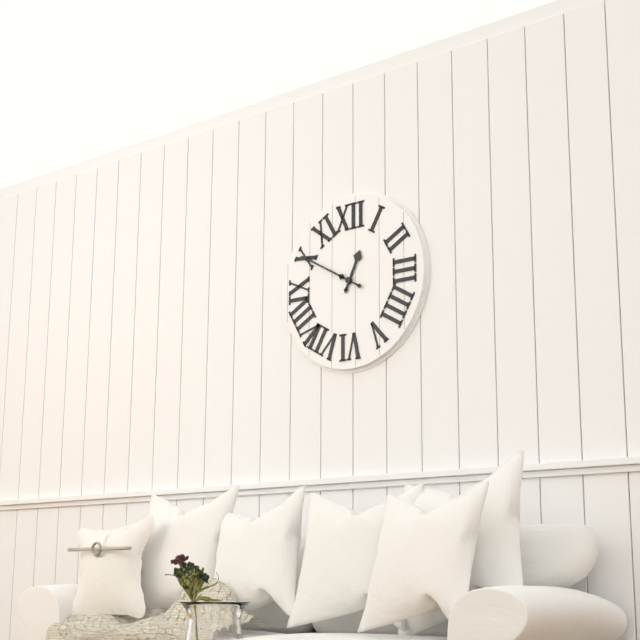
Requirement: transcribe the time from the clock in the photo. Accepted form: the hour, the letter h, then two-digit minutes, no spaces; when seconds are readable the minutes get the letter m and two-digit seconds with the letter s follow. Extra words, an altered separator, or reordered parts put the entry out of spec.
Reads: 12h50
